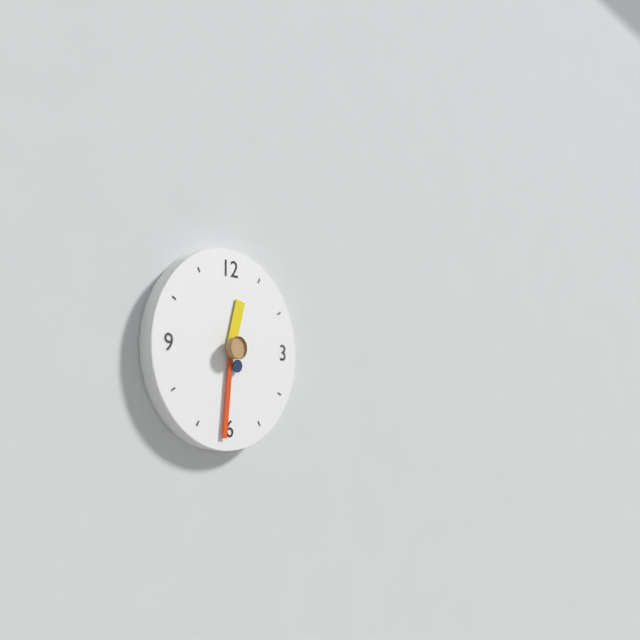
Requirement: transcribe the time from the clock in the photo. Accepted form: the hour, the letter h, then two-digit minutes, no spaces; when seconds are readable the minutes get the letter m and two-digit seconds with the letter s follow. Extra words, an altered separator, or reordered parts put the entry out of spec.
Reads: 12h31
